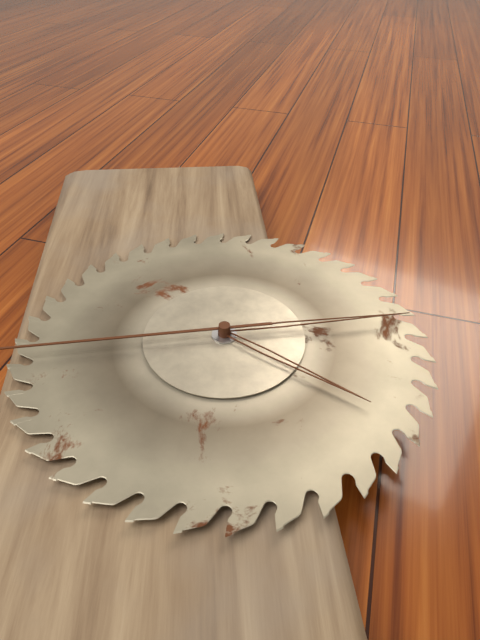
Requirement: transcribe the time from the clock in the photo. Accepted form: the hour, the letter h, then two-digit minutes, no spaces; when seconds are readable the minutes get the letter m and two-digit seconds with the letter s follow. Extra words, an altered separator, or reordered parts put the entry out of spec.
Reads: 4h14
